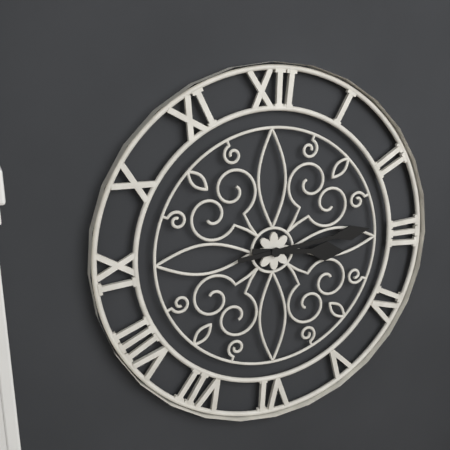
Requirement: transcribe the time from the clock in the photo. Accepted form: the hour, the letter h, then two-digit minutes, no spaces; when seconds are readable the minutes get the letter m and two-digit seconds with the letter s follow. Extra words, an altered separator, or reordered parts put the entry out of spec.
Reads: 3h14
